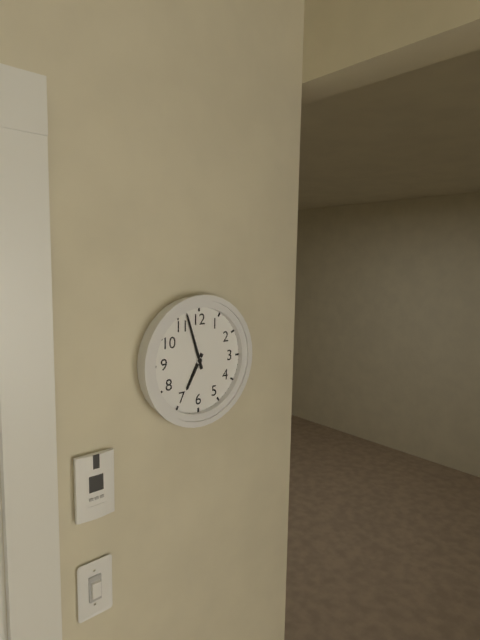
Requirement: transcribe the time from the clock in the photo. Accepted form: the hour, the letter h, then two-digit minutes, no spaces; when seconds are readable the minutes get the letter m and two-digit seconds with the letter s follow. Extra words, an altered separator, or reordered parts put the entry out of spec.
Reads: 6h57
